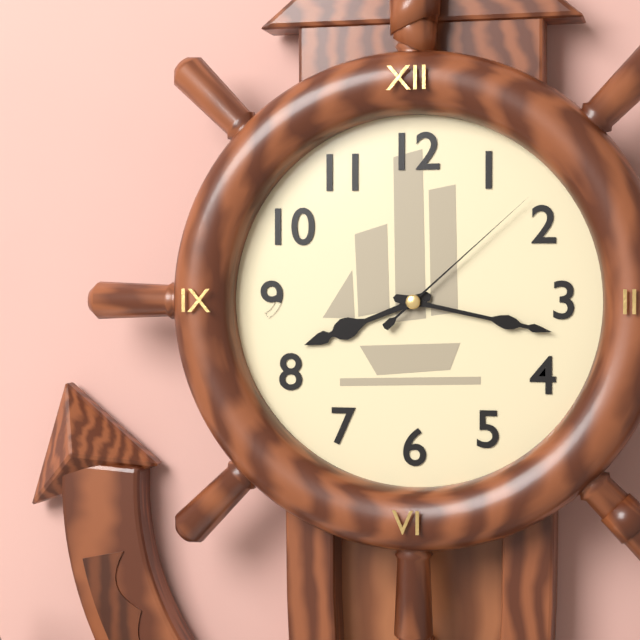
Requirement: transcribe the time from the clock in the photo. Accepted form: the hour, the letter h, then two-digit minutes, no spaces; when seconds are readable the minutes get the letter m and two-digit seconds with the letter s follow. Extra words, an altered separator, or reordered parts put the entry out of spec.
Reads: 8h17m08s
